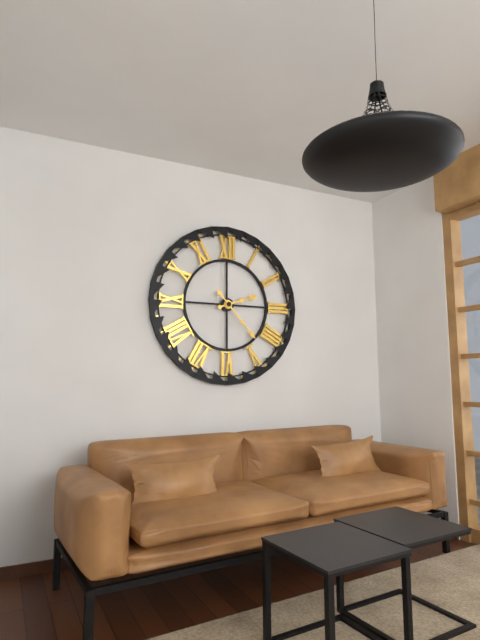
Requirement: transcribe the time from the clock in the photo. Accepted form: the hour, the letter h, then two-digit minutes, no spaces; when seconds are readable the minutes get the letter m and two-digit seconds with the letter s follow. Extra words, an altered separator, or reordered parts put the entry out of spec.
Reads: 2h23
